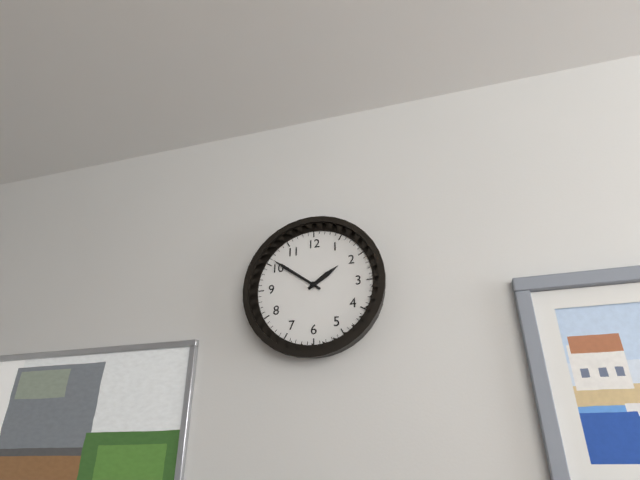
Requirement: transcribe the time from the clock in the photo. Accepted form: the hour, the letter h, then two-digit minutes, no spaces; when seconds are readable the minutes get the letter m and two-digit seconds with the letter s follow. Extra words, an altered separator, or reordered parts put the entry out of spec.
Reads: 1h51
